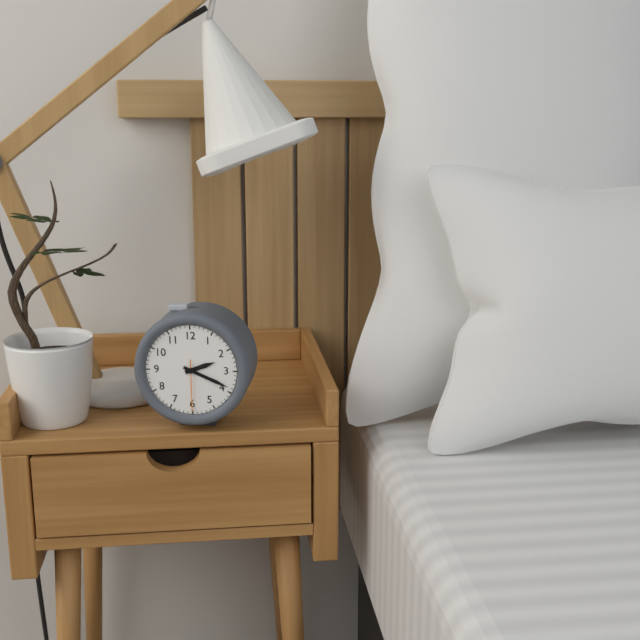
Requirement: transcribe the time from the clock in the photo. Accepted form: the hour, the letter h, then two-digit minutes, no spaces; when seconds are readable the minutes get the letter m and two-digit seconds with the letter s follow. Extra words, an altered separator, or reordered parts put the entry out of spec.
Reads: 2h19m30s
